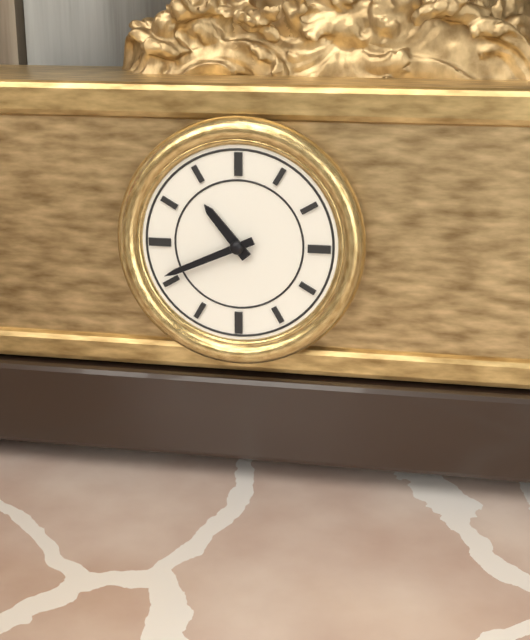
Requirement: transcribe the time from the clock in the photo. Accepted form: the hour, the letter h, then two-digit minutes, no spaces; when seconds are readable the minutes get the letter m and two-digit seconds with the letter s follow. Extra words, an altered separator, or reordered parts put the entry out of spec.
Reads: 10h41
